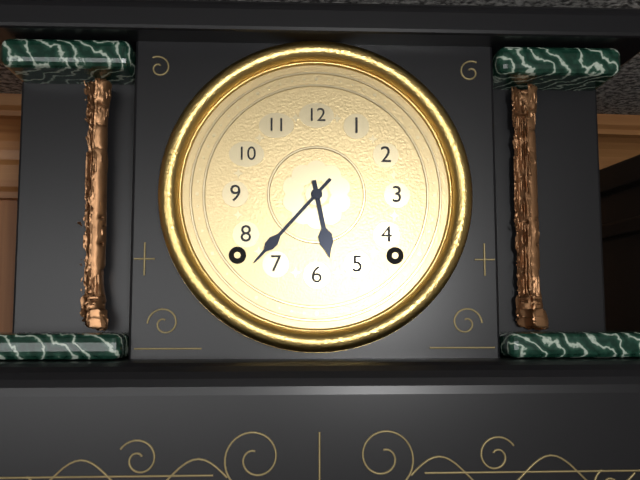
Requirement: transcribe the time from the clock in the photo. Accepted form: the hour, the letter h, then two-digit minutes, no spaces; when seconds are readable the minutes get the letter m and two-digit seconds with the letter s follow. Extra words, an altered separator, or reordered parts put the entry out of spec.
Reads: 5h37
